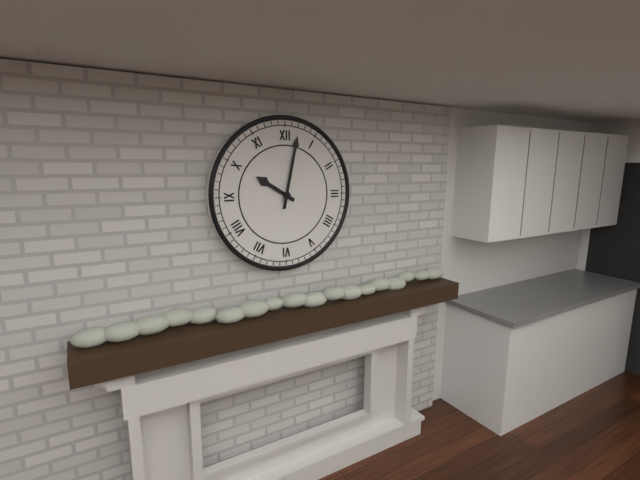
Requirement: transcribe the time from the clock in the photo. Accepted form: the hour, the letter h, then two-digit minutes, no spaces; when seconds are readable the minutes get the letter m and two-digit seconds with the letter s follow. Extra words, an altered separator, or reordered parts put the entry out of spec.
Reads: 10h02
